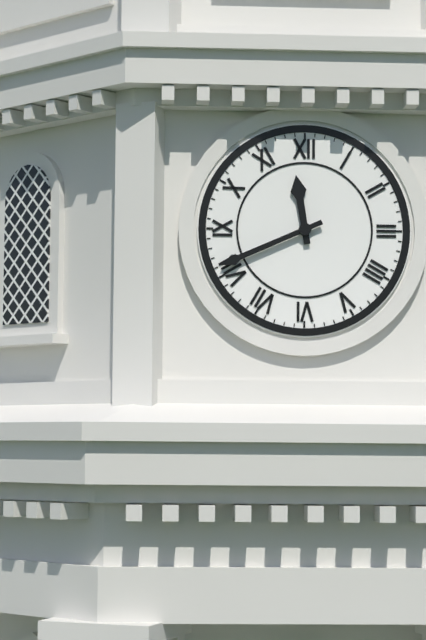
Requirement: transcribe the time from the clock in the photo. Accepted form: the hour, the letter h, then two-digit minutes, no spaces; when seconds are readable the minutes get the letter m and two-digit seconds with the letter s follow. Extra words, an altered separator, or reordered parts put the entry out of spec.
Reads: 11h41
